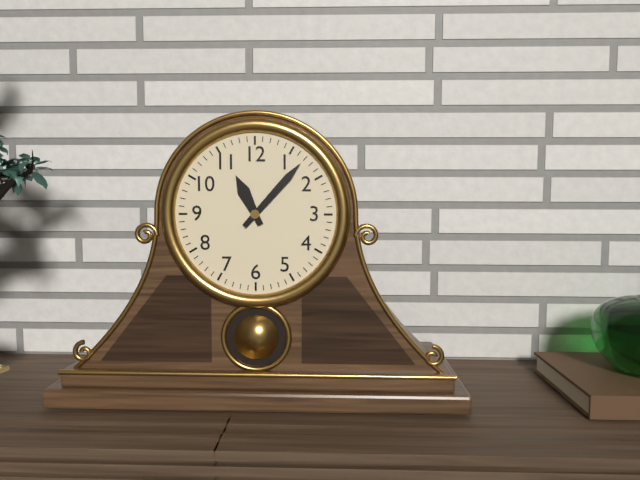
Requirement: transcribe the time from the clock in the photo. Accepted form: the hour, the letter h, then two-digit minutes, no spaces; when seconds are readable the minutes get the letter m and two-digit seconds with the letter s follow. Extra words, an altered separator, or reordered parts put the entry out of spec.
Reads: 11h07
